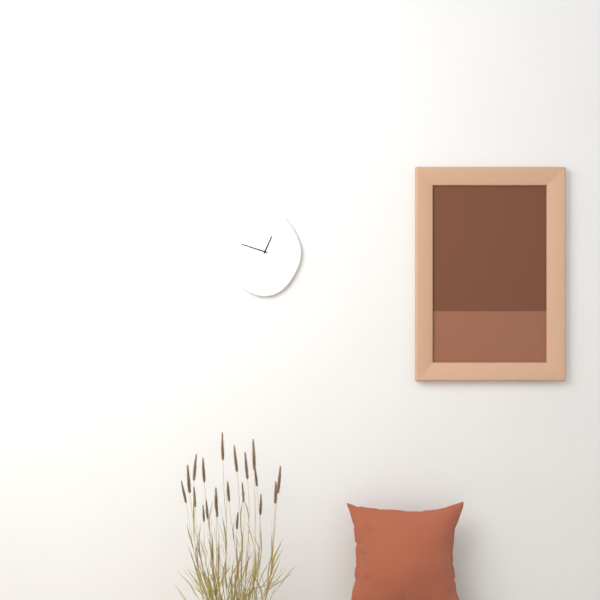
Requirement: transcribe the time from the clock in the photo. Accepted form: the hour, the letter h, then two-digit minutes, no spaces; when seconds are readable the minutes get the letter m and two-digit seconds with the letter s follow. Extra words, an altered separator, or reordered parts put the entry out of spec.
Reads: 12h48
